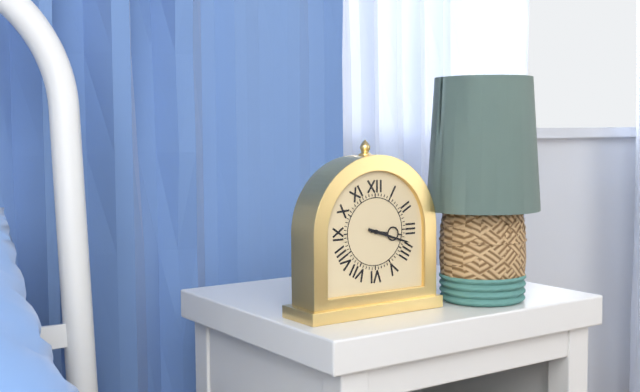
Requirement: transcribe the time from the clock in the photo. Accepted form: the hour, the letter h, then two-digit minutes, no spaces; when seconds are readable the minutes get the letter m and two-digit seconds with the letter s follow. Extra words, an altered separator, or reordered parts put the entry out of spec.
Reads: 3h18
